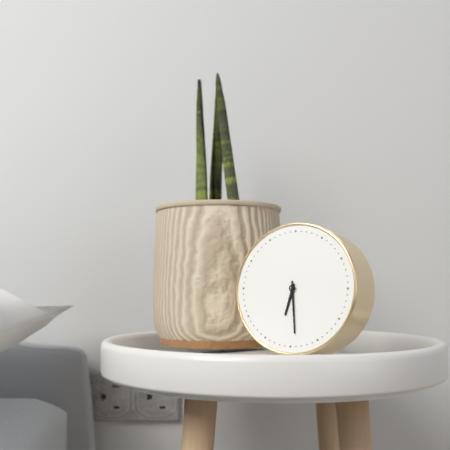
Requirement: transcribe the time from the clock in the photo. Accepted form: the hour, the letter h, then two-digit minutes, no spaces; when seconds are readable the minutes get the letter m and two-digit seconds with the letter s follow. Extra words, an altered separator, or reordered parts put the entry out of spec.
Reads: 6h29
